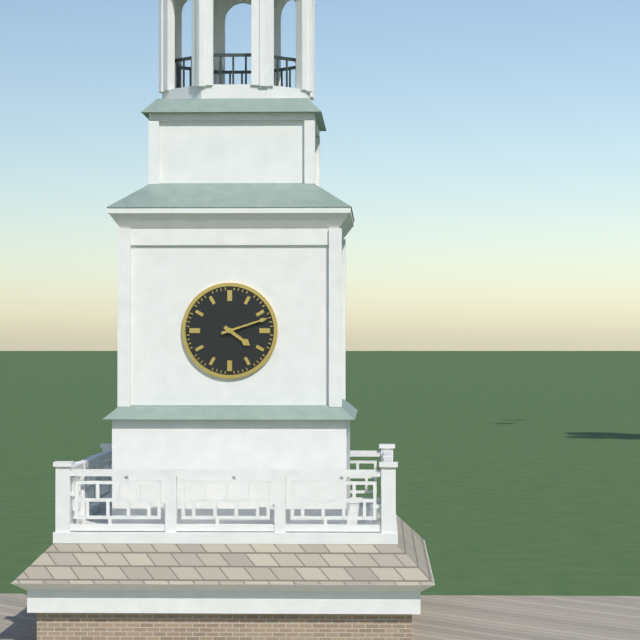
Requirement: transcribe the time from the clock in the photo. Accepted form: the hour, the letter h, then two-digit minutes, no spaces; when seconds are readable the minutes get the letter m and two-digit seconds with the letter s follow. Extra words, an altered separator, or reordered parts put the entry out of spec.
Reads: 4h12
